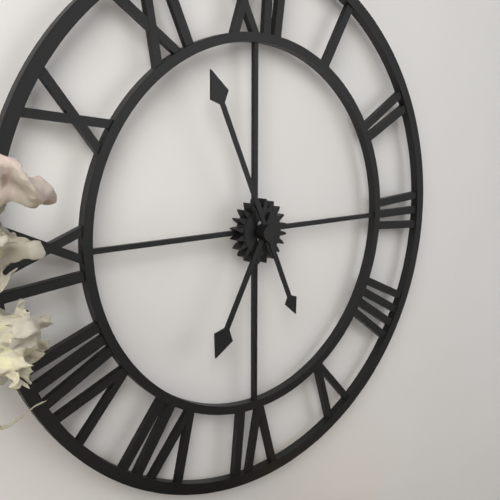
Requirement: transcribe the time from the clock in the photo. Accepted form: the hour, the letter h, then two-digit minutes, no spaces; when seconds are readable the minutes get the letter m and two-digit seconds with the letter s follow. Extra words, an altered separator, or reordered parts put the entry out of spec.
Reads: 6h56
